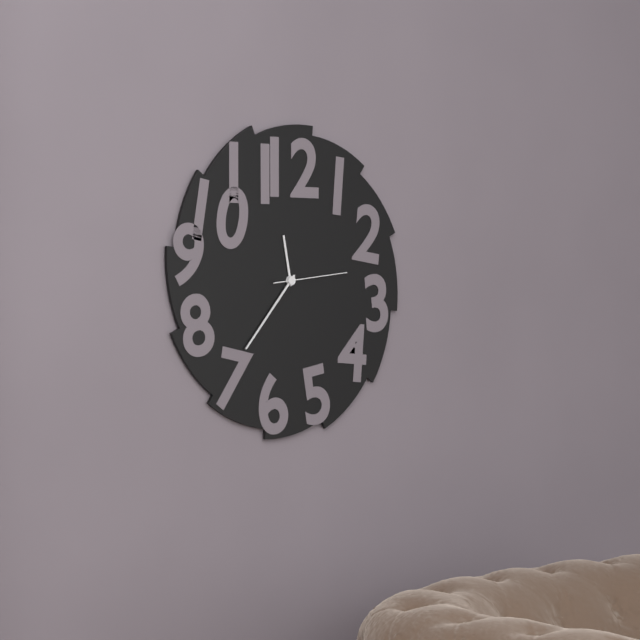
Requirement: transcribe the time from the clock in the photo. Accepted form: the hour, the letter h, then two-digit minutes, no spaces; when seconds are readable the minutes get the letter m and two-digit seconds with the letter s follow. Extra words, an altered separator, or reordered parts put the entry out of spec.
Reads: 11h37m14s
